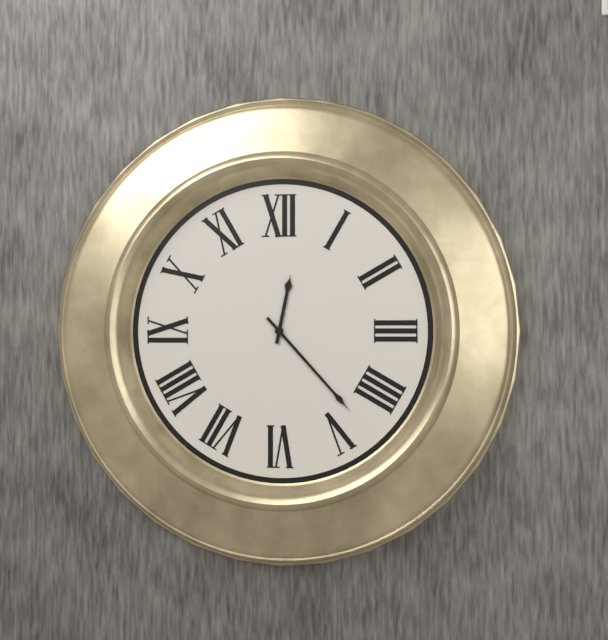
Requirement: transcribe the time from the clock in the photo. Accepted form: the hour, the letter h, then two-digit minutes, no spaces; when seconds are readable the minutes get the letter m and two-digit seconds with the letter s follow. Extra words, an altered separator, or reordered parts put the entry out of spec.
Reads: 12h23
